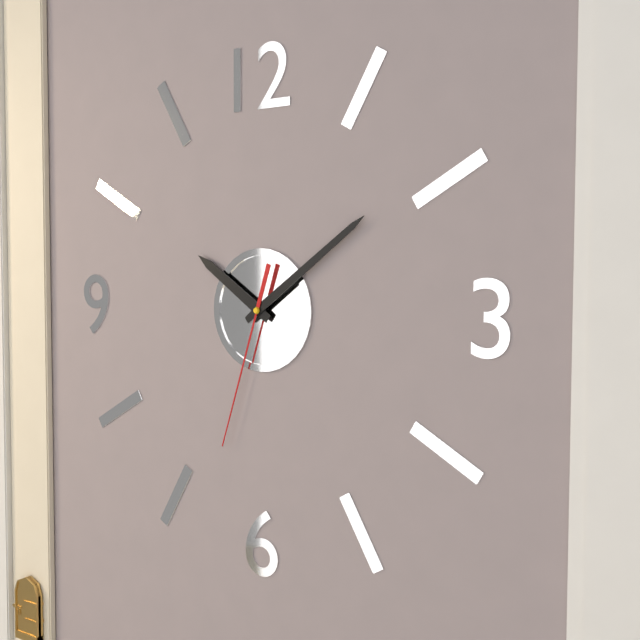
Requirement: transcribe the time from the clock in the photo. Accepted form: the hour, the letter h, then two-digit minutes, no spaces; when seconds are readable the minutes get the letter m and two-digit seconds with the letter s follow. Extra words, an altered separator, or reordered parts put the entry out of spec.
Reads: 10h09m33s
